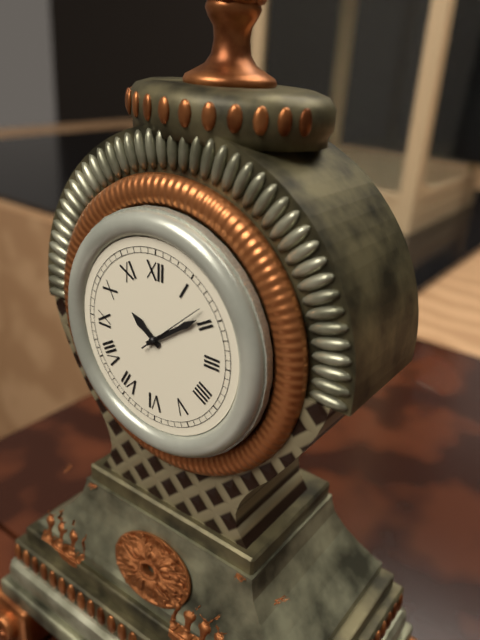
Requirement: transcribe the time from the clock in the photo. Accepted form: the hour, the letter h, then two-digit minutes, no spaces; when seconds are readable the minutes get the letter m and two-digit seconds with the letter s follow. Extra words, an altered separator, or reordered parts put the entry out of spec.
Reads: 10h09m08s
